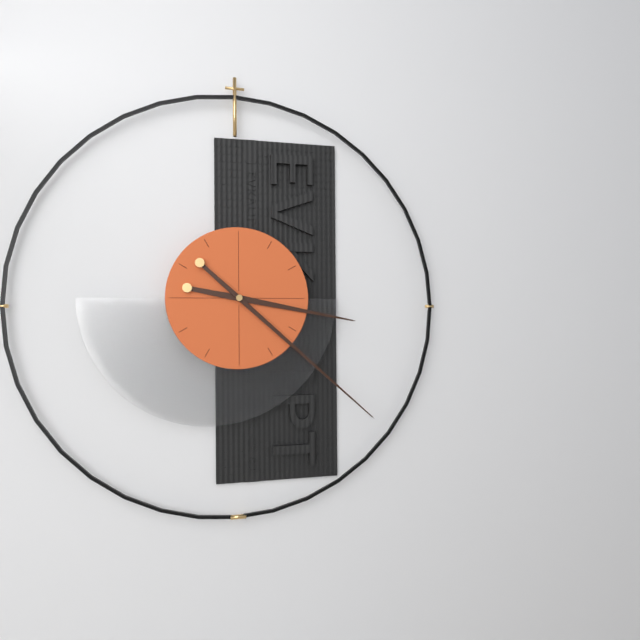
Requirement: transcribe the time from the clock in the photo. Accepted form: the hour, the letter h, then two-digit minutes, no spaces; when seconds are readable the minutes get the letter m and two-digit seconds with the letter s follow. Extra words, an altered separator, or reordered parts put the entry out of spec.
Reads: 3h22
